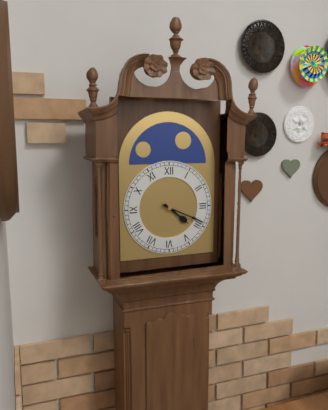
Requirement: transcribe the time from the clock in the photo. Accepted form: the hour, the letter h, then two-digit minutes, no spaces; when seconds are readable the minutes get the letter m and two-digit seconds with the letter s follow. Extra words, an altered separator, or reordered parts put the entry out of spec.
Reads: 4h19
